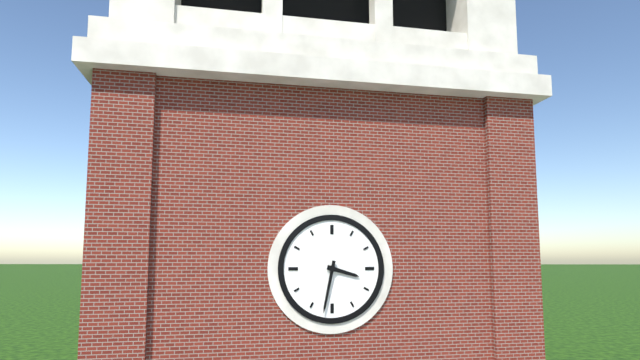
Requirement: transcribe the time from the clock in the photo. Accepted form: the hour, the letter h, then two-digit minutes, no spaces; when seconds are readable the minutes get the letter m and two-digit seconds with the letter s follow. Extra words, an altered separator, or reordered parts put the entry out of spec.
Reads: 3h32
